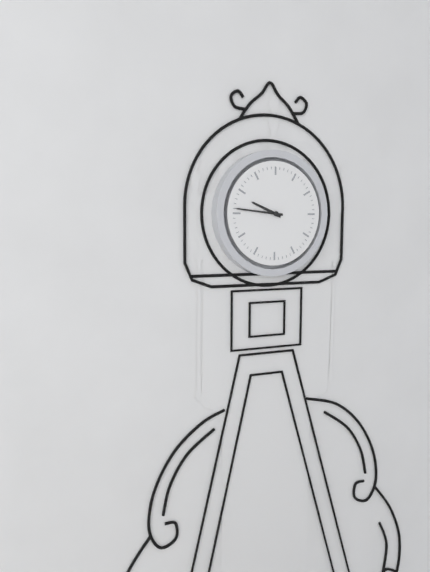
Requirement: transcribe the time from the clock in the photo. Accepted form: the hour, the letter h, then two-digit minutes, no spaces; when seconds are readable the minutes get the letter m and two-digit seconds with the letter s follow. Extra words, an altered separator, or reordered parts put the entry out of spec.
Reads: 9h46
